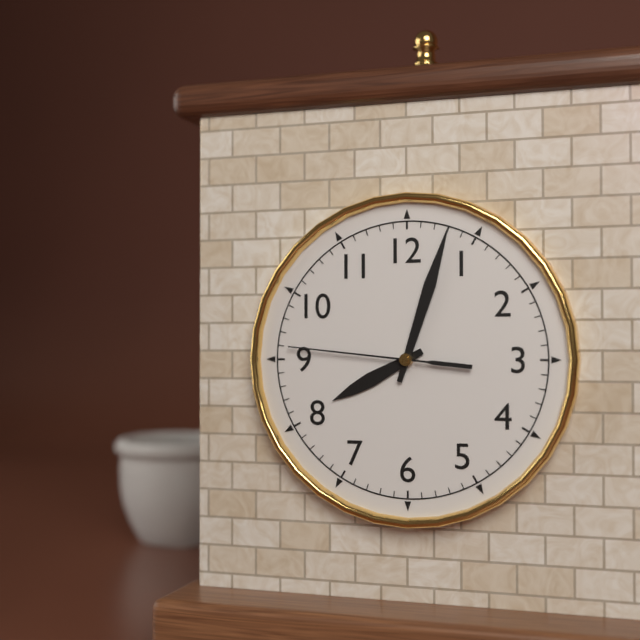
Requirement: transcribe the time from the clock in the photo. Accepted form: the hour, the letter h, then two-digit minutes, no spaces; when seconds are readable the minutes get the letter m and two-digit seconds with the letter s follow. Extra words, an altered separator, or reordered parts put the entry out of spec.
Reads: 8h03m46s
